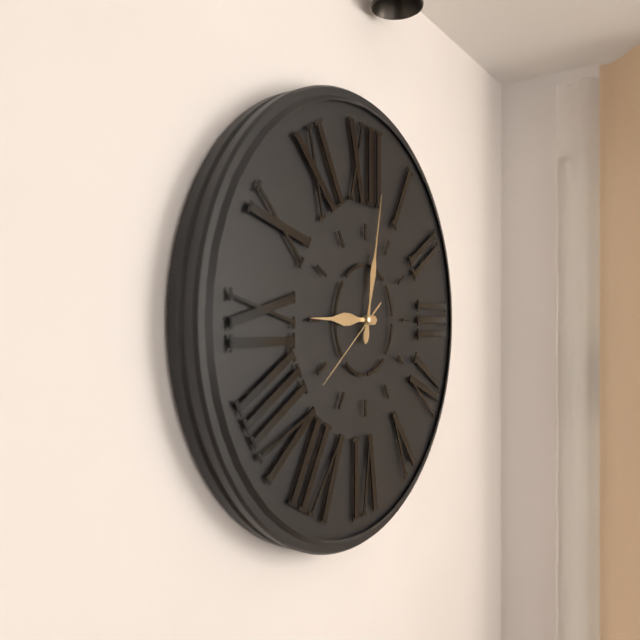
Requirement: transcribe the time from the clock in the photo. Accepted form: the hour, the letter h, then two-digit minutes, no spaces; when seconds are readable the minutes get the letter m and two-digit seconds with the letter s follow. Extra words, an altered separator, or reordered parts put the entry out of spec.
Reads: 9h02m39s
